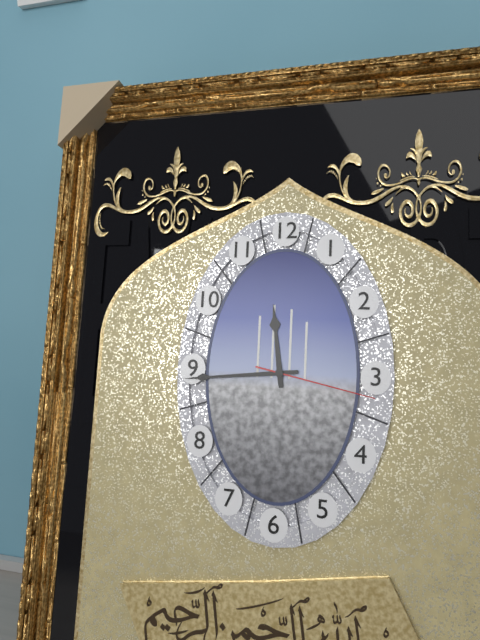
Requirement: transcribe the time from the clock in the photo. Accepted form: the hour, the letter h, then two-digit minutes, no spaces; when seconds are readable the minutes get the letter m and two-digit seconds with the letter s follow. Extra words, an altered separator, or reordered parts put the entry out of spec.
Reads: 11h44m17s
